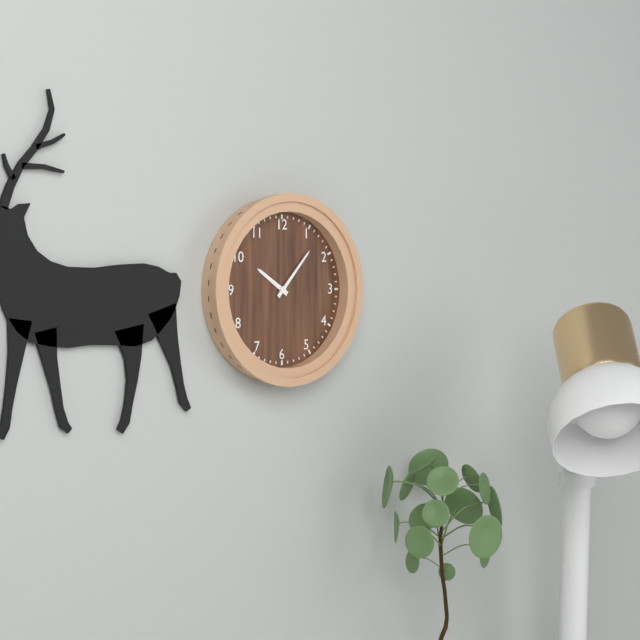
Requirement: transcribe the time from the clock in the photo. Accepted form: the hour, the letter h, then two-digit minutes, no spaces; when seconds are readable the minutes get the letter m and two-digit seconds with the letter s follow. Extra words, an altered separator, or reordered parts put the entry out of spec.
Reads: 10h07
